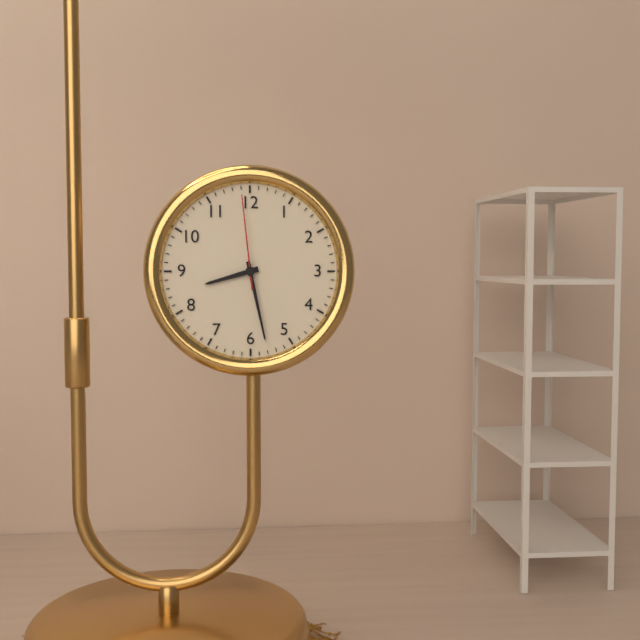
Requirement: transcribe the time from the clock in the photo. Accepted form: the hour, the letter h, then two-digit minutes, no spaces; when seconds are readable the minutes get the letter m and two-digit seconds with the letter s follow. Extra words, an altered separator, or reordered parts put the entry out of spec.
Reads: 8h28m59s
